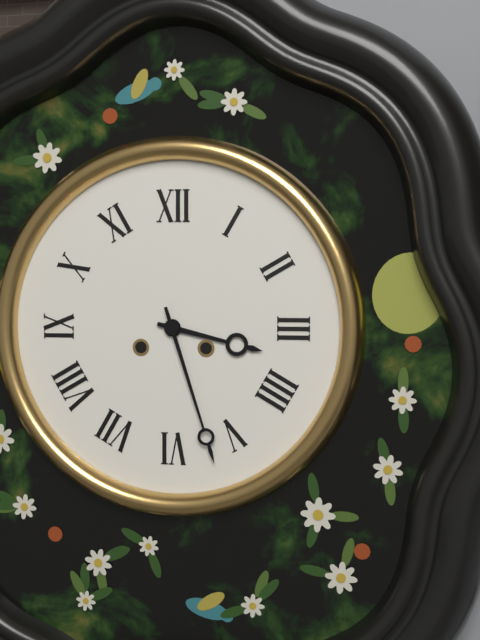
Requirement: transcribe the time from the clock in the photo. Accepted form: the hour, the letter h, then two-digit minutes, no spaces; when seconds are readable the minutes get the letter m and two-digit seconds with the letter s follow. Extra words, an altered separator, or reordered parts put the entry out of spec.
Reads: 3h27
